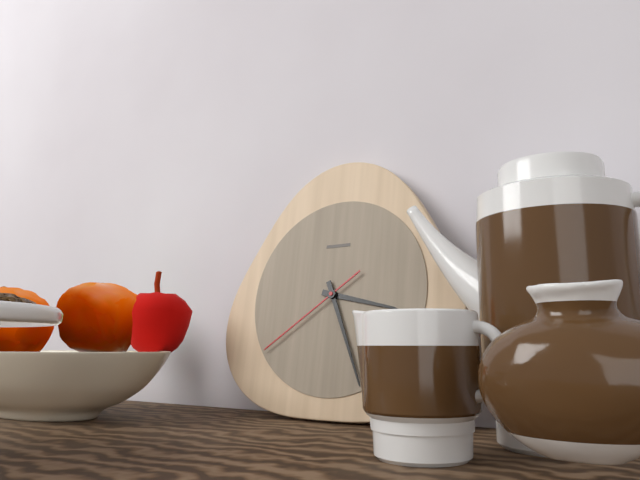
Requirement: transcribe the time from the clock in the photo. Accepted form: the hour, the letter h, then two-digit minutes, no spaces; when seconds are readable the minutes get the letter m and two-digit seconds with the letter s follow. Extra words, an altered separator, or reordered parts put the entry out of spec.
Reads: 3h26m39s
